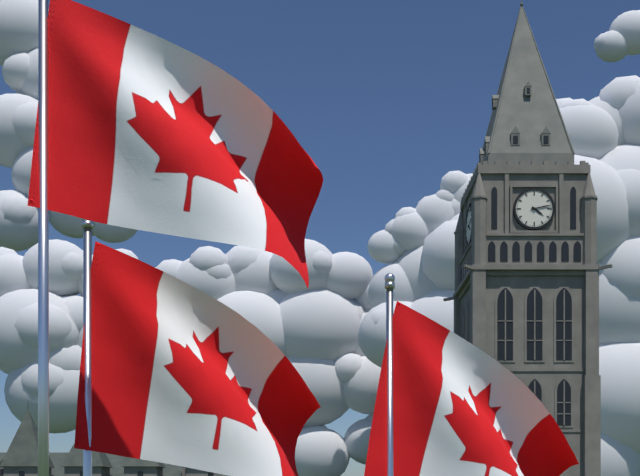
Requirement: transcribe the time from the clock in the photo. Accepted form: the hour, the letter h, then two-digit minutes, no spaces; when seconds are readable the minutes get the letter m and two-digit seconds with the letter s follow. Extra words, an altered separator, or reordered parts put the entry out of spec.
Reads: 4h13
